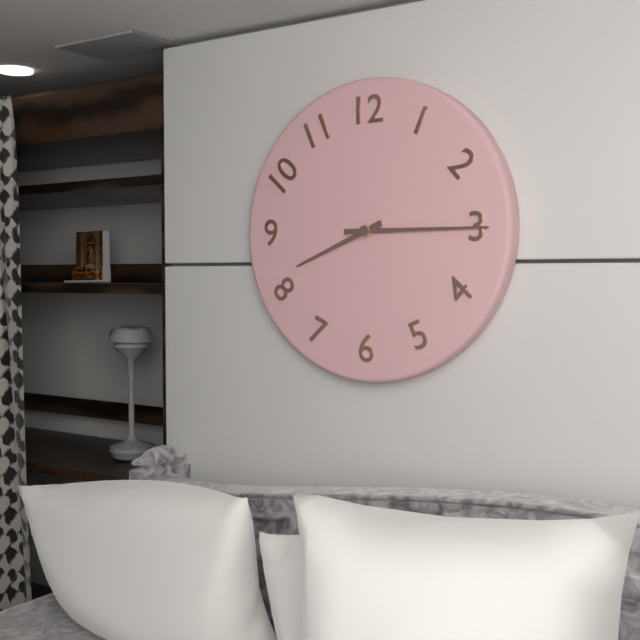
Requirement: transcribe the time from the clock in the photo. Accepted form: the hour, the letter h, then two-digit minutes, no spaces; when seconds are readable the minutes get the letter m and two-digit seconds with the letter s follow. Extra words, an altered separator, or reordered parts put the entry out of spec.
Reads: 8h15
